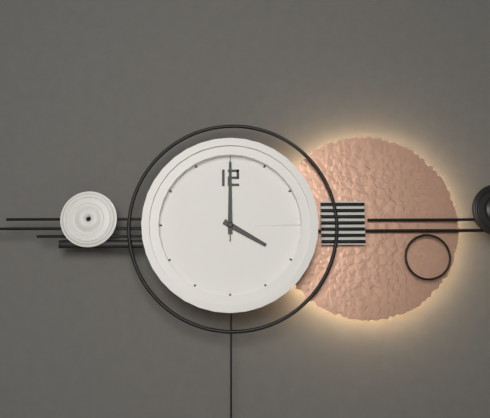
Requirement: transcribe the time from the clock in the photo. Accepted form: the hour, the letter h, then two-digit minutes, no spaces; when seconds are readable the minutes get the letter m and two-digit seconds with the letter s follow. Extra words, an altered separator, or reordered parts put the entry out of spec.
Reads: 4h00m00s
